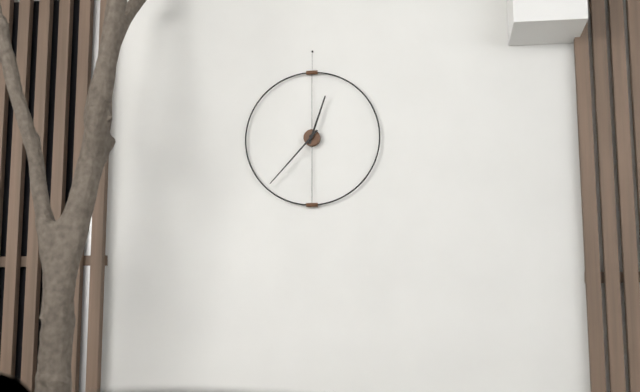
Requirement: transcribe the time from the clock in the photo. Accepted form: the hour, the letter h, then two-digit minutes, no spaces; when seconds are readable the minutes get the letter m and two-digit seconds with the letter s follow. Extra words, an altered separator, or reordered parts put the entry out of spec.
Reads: 12h37
